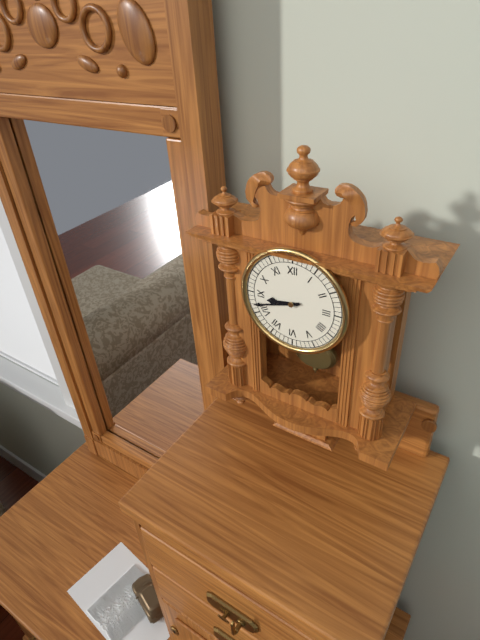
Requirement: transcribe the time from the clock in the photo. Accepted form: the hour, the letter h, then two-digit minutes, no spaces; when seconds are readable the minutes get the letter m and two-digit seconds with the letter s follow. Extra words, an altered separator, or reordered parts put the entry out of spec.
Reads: 8h42
